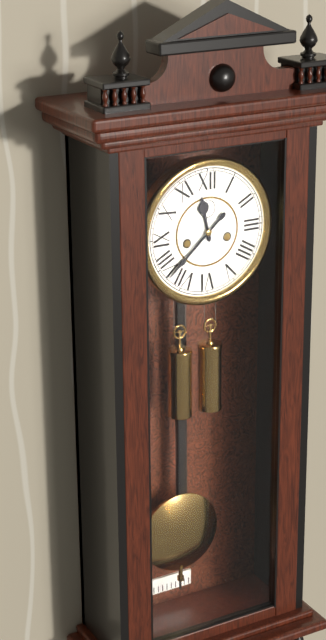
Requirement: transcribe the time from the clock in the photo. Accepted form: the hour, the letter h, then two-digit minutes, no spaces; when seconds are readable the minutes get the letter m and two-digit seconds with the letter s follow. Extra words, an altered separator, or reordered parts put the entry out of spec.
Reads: 11h38
